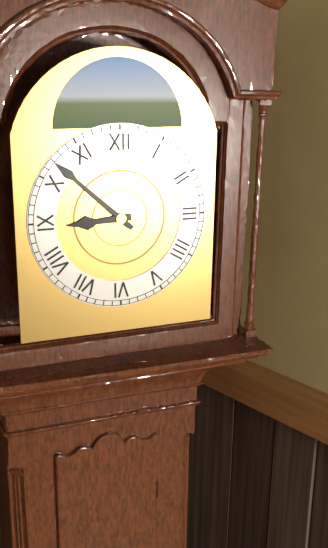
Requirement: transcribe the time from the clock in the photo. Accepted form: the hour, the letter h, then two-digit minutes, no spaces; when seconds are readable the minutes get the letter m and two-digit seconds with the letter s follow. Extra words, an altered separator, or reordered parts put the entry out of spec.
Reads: 8h52
